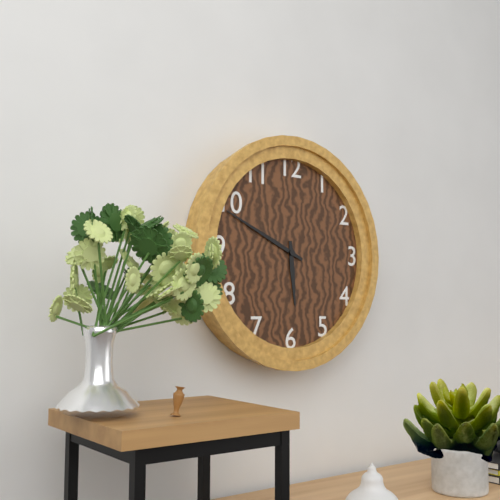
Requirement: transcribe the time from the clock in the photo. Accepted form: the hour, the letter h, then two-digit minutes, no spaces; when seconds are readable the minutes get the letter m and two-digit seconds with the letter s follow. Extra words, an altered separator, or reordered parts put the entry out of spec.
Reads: 5h49
